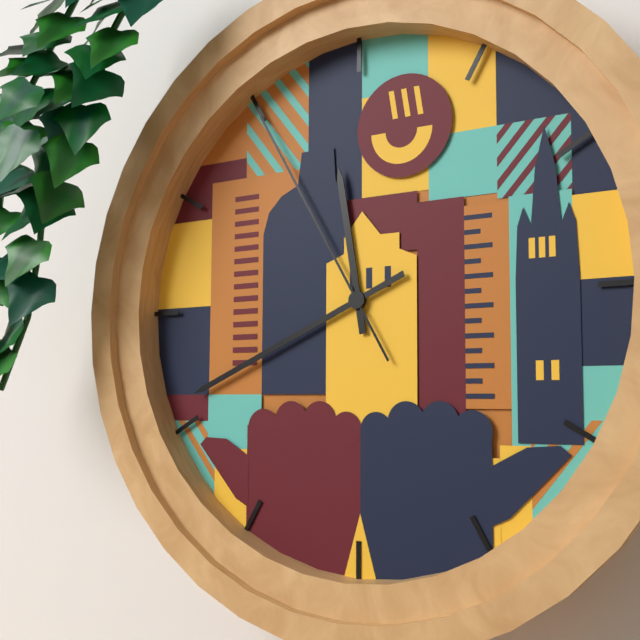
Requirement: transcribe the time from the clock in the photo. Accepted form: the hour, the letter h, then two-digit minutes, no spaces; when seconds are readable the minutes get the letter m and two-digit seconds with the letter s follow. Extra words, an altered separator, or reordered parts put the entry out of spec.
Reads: 11h41m55s
